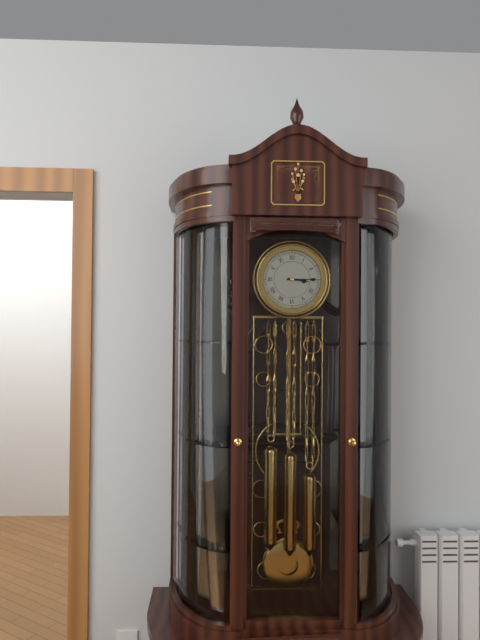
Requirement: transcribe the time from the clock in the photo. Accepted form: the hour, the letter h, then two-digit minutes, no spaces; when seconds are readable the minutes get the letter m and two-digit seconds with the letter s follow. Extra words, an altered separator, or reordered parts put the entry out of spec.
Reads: 3h15
